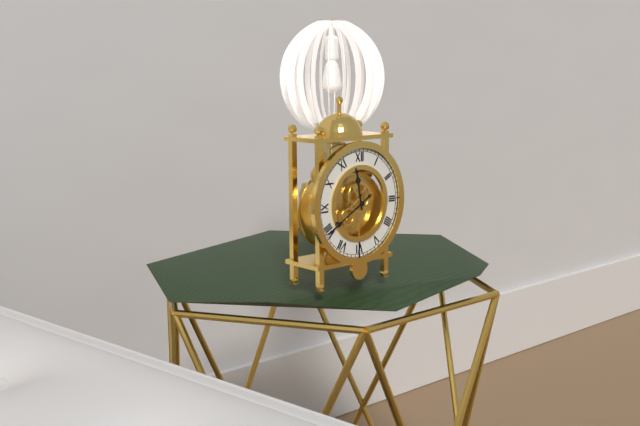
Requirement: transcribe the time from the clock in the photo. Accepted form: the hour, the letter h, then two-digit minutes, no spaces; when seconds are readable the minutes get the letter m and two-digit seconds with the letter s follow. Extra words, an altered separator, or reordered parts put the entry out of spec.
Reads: 11h40
